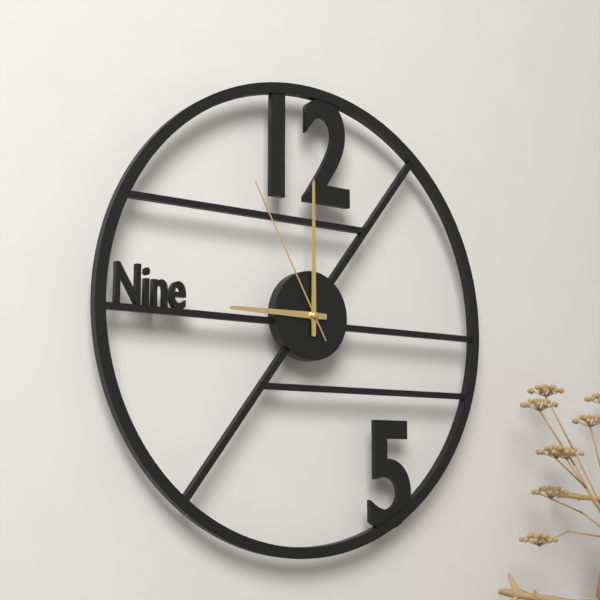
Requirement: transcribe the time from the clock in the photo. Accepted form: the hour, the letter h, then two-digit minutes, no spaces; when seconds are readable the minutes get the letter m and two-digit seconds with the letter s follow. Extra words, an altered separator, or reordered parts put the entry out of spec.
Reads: 9h00m55s
